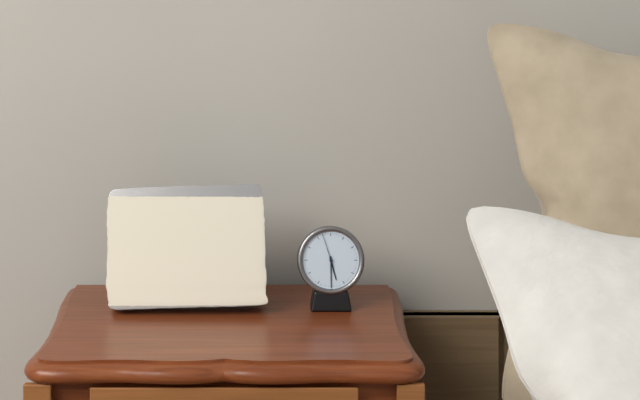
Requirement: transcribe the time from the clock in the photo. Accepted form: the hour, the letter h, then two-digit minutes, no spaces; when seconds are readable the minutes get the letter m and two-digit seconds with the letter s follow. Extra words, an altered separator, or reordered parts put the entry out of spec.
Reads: 5h30
